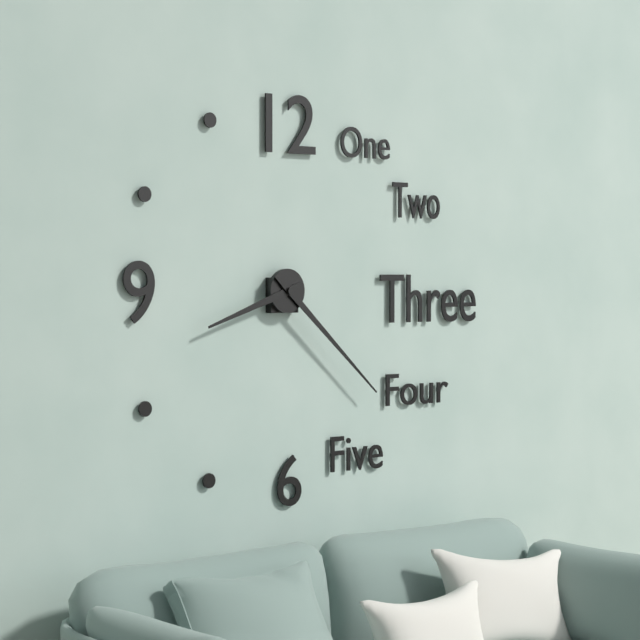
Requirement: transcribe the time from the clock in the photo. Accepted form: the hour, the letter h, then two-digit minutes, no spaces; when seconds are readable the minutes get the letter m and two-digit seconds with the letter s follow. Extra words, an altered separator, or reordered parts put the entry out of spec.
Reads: 8h22
